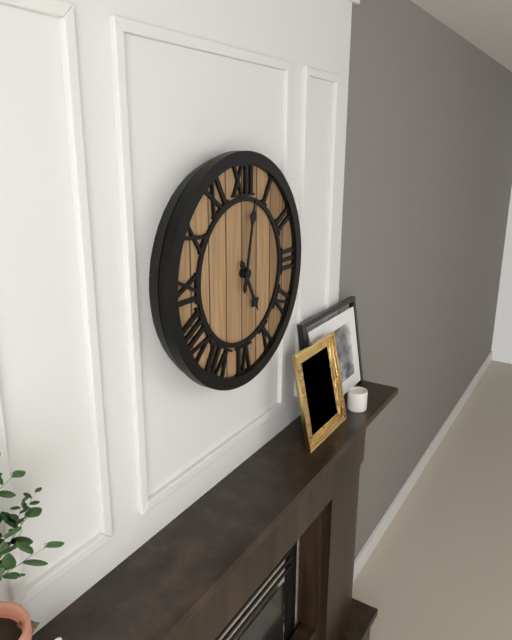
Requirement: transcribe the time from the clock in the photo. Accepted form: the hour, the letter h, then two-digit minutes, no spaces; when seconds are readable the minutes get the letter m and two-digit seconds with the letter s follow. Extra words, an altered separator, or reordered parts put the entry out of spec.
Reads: 5h02
